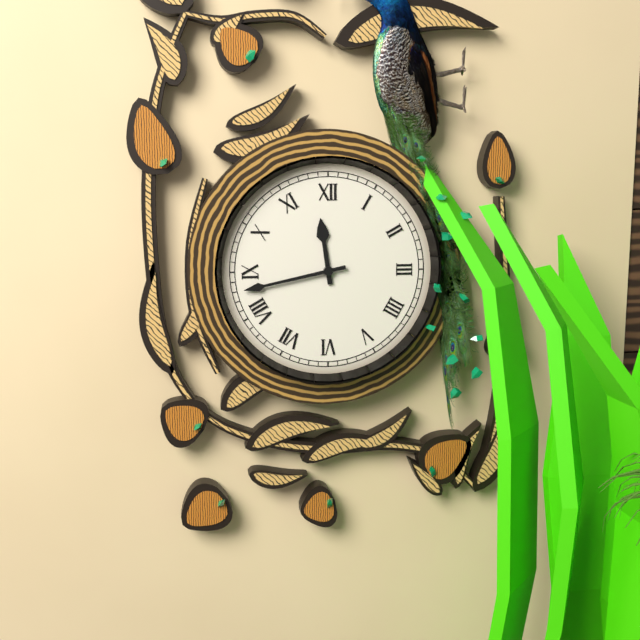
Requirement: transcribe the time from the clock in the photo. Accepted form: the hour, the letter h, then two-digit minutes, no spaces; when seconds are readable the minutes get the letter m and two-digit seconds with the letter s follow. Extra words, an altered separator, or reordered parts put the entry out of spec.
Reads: 11h43
